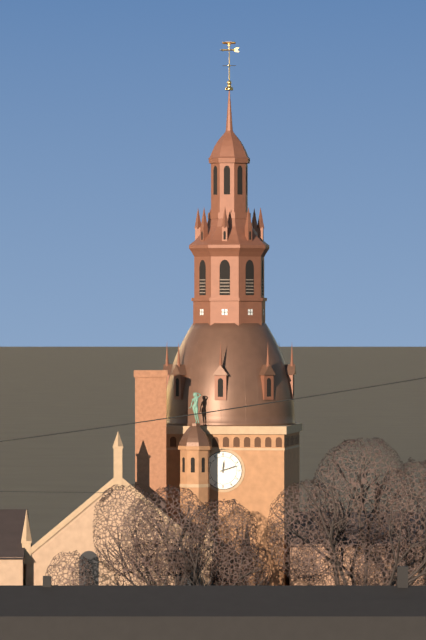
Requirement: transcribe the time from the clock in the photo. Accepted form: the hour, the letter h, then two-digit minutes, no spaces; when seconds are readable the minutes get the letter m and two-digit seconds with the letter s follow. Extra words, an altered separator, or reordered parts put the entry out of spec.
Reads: 12h12
